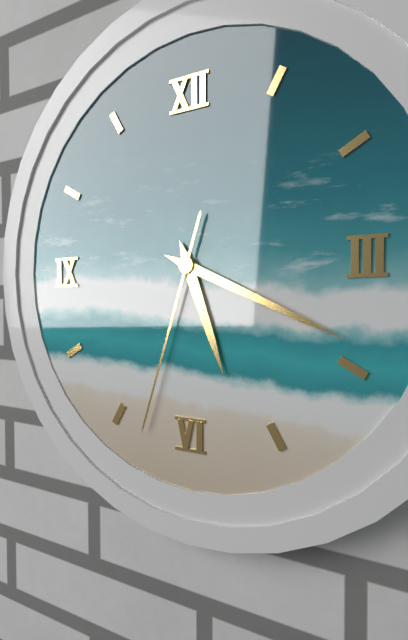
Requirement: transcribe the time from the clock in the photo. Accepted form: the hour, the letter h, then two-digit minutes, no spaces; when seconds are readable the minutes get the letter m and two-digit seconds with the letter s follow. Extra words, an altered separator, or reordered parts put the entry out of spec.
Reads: 5h19m33s
